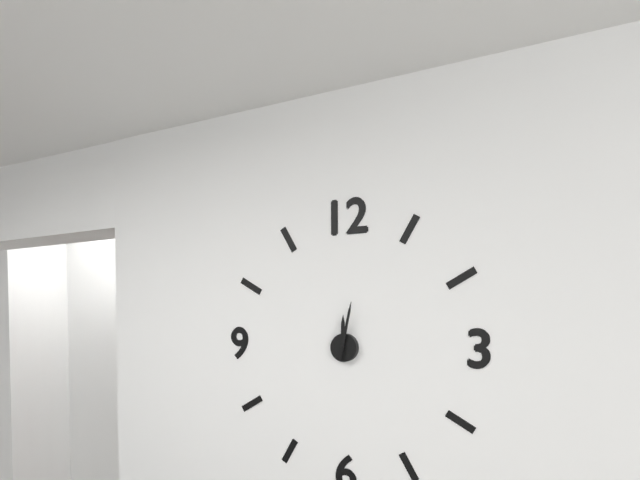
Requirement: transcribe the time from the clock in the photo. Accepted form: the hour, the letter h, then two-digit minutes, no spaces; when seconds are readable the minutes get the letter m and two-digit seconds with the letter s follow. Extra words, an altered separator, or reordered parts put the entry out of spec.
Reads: 12h02
